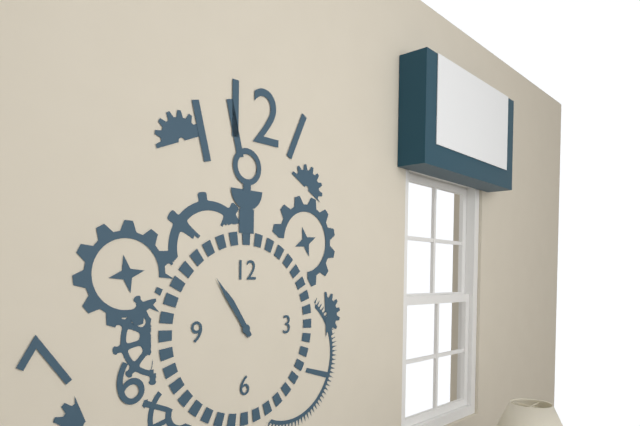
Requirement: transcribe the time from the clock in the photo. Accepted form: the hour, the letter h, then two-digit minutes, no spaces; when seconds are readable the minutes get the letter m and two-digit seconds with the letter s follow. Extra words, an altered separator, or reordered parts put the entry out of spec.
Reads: 10h54
